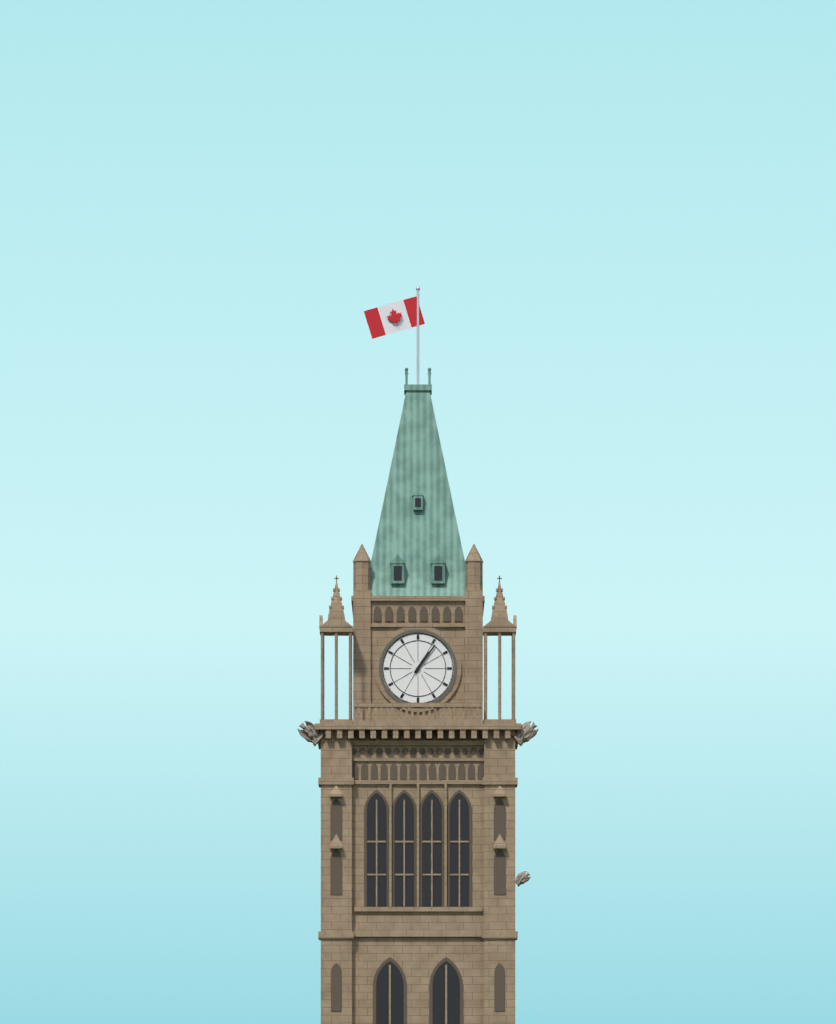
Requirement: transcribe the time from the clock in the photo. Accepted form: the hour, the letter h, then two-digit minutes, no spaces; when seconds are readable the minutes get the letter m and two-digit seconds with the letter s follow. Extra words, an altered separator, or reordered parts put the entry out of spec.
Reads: 1h06
